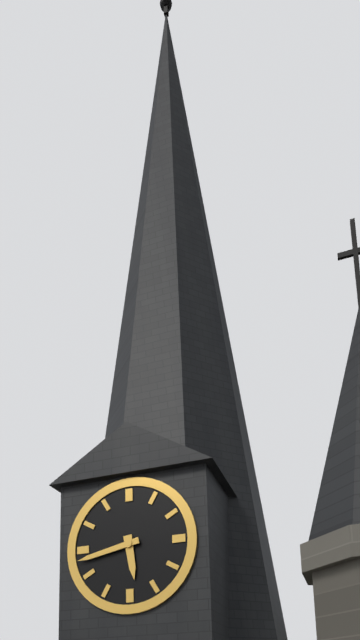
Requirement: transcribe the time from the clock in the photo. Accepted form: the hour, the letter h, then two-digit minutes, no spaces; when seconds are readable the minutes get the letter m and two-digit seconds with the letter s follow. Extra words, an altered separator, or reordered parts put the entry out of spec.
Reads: 5h43
